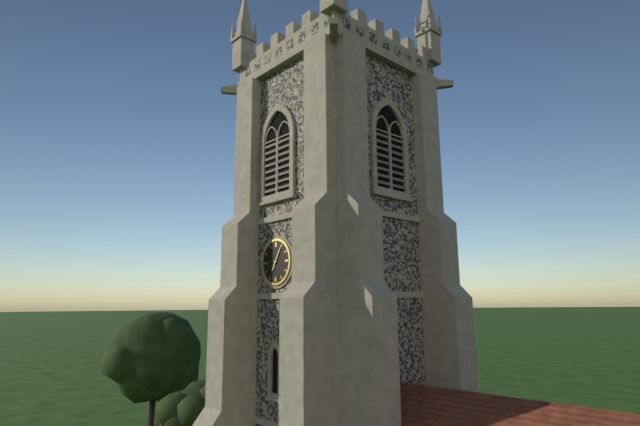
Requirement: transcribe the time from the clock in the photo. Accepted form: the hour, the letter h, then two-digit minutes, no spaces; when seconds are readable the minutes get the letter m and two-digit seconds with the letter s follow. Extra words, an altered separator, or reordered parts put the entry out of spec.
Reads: 7h05
